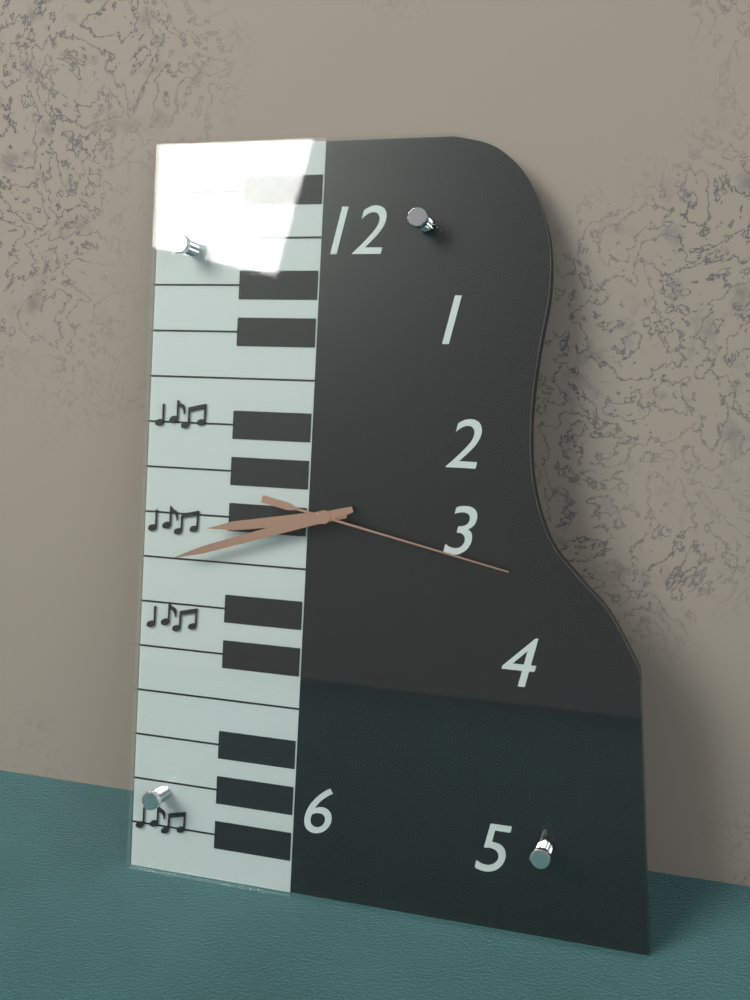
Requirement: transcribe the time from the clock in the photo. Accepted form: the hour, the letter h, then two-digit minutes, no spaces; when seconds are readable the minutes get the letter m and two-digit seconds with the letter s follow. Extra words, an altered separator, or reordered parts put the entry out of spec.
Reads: 8h42m17s
